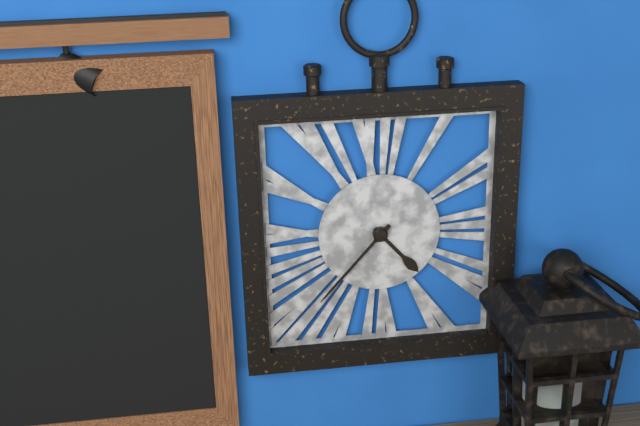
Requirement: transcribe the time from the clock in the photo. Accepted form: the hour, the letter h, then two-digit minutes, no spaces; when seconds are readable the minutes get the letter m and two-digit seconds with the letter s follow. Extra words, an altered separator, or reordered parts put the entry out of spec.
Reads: 4h37
